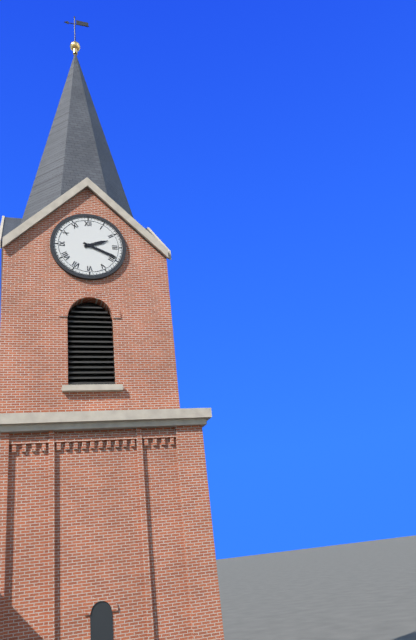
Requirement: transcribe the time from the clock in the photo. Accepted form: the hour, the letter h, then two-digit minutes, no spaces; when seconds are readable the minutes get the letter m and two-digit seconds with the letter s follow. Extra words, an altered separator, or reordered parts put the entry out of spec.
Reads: 2h19
